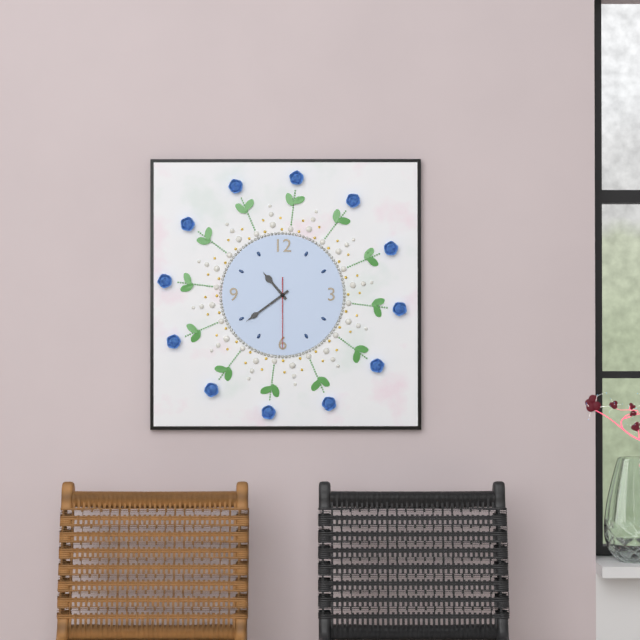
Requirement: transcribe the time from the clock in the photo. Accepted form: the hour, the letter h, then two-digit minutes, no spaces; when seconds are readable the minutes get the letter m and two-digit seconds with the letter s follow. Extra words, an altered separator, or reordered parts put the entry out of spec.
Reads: 10h39m30s
